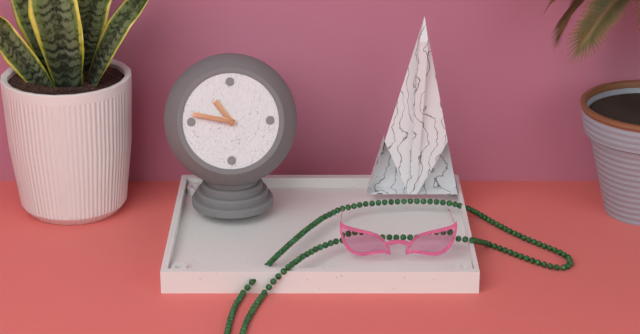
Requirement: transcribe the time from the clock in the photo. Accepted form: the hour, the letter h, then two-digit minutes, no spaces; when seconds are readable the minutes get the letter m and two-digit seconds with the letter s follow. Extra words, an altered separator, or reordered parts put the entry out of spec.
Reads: 10h47
